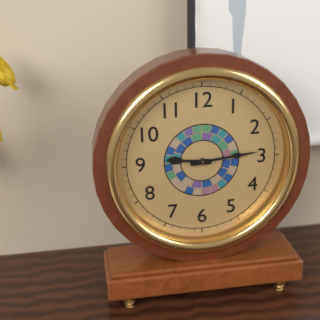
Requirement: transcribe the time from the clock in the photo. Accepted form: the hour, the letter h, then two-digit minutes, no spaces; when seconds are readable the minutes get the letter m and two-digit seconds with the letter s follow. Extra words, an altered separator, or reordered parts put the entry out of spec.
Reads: 9h14
